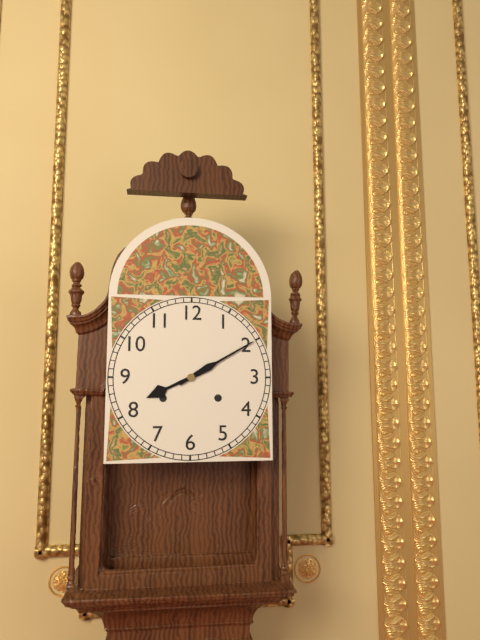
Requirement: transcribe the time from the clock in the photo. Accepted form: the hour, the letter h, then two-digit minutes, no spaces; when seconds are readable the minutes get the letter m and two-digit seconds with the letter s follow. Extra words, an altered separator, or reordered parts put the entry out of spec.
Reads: 8h10
